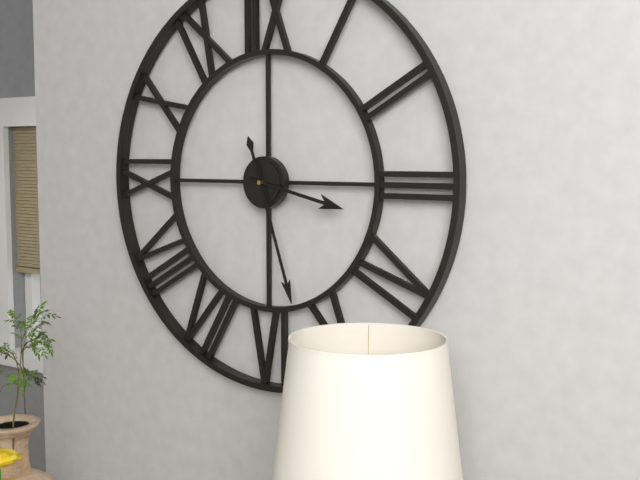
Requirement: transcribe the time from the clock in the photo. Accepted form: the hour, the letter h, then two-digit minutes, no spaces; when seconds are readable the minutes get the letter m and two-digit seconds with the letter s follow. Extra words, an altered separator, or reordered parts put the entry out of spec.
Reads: 3h27
